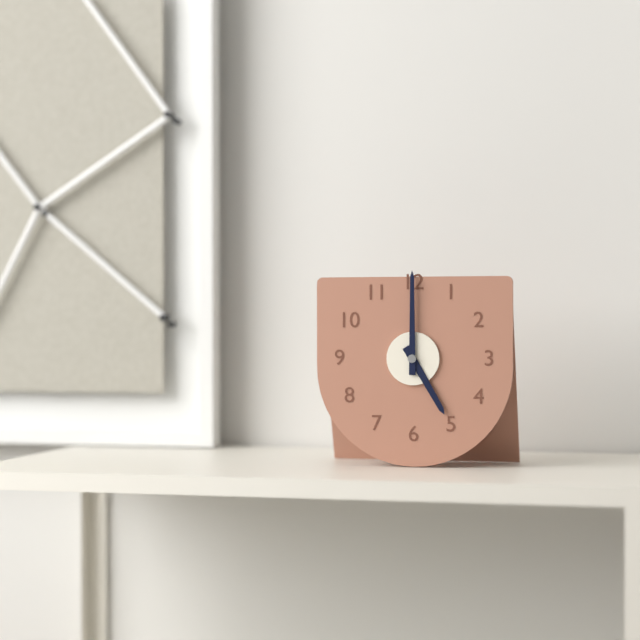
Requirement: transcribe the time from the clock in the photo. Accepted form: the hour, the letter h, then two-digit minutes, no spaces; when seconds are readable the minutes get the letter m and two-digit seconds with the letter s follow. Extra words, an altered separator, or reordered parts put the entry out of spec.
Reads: 5h00
